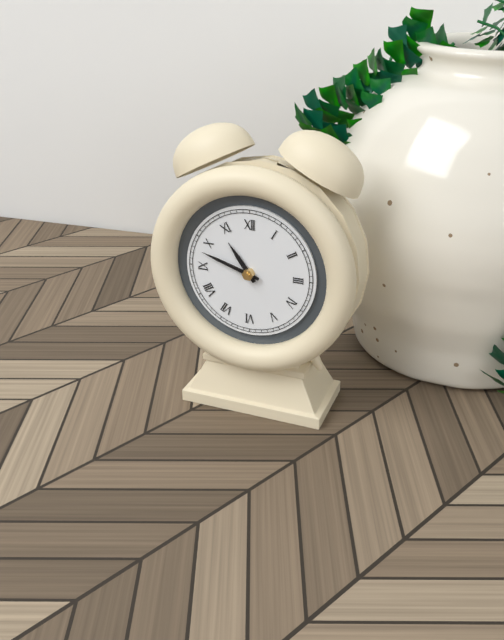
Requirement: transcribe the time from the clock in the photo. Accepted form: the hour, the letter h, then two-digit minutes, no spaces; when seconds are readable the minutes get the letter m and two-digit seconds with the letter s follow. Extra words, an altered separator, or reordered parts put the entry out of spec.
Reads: 10h48
